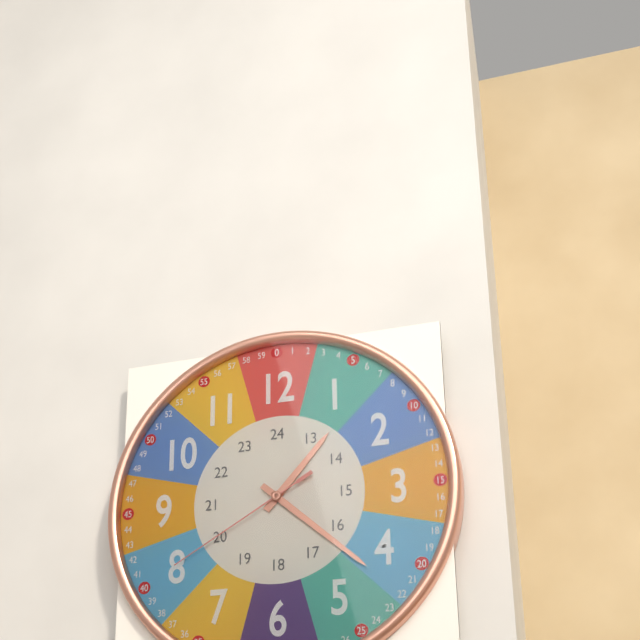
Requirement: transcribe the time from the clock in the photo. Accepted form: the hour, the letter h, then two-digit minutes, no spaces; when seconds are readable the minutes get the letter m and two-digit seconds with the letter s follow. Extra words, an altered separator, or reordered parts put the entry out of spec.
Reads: 1h22m40s
